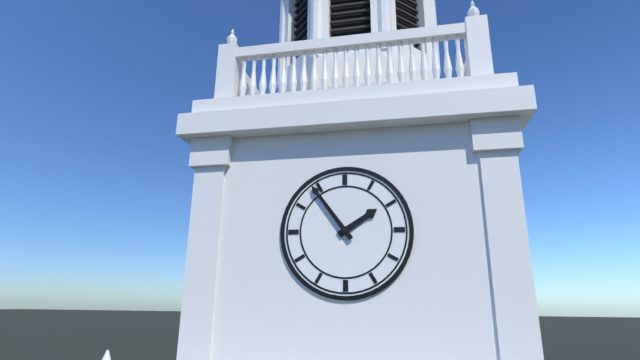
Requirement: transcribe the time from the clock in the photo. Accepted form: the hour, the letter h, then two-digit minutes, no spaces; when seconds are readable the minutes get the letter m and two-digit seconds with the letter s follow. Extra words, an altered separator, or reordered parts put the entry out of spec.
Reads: 1h54
